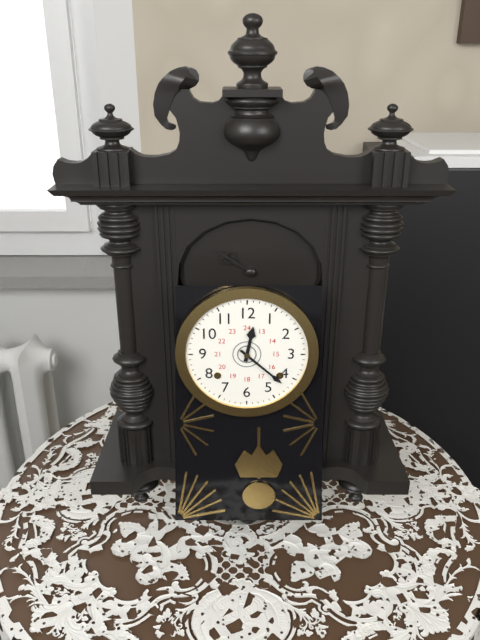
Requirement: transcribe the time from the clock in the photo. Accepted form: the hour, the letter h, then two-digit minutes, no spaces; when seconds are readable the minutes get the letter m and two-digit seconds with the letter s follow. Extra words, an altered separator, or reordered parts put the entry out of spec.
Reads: 12h22
